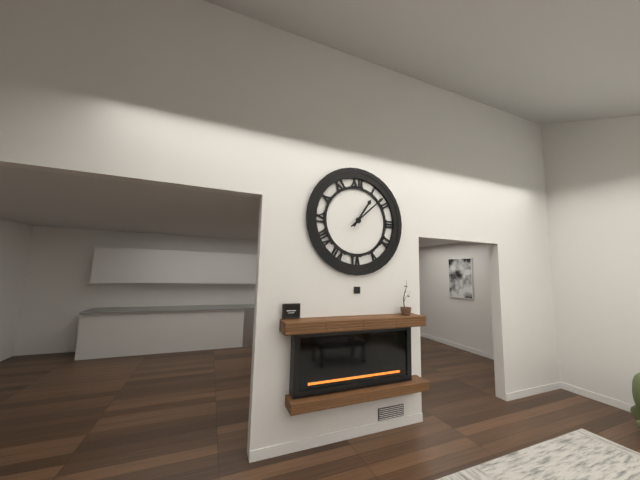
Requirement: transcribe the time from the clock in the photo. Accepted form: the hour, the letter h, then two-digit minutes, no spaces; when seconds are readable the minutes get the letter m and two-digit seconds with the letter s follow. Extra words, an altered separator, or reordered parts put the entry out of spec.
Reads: 1h08
